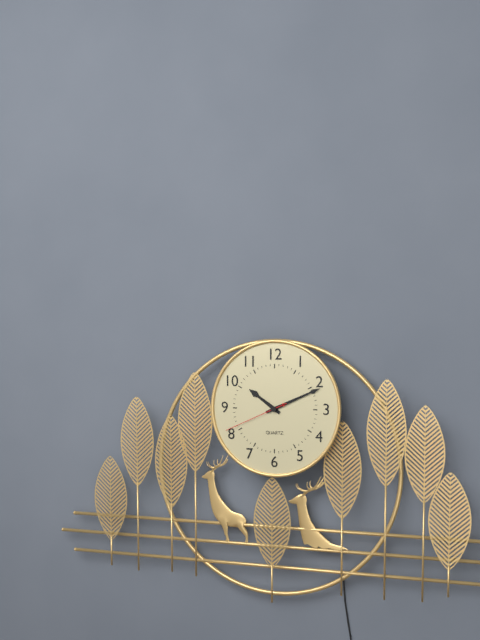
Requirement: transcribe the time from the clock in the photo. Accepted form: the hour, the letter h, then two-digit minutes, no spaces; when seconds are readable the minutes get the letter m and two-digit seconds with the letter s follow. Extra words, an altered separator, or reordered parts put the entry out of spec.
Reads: 10h11m41s
